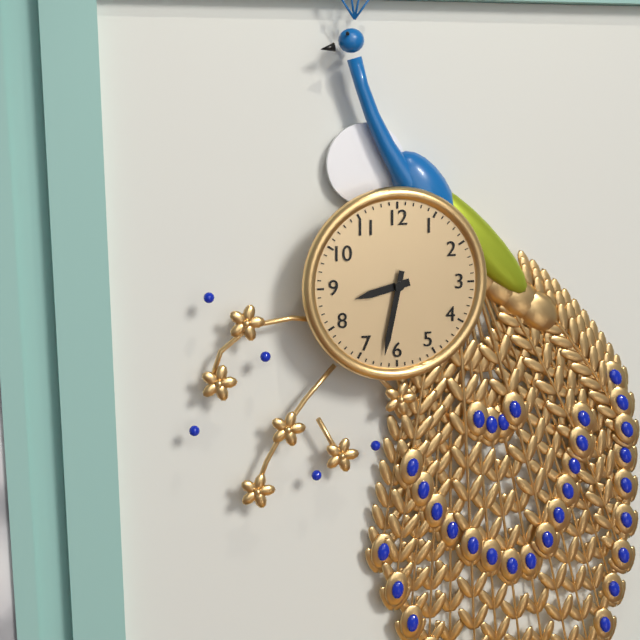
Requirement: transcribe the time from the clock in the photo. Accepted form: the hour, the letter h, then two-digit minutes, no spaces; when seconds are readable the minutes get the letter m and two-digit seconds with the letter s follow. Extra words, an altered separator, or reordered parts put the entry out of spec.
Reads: 8h32
